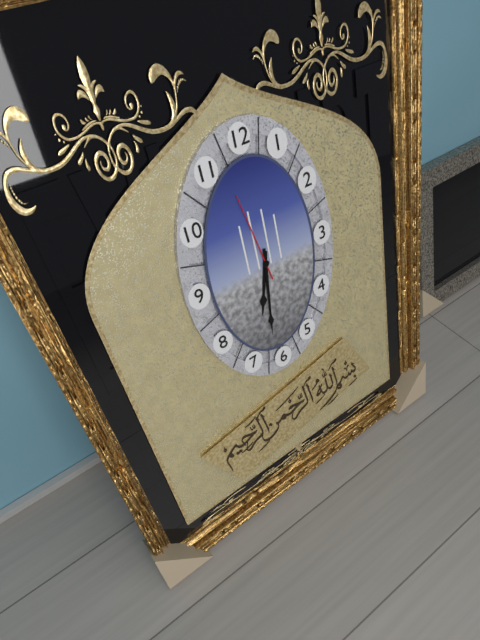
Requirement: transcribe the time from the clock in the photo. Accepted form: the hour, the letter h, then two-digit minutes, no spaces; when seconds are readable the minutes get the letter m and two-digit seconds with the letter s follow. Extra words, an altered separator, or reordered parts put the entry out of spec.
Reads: 6h31m58s
